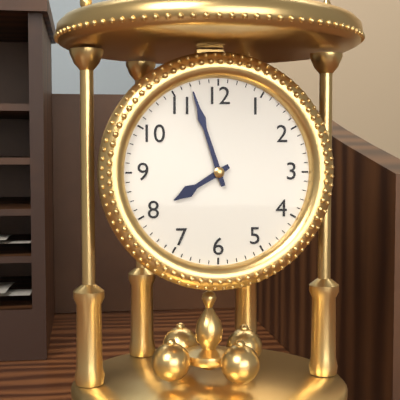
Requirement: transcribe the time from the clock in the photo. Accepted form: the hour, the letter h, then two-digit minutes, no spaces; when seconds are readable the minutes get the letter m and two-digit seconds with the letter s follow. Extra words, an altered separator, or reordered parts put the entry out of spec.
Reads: 7h57
